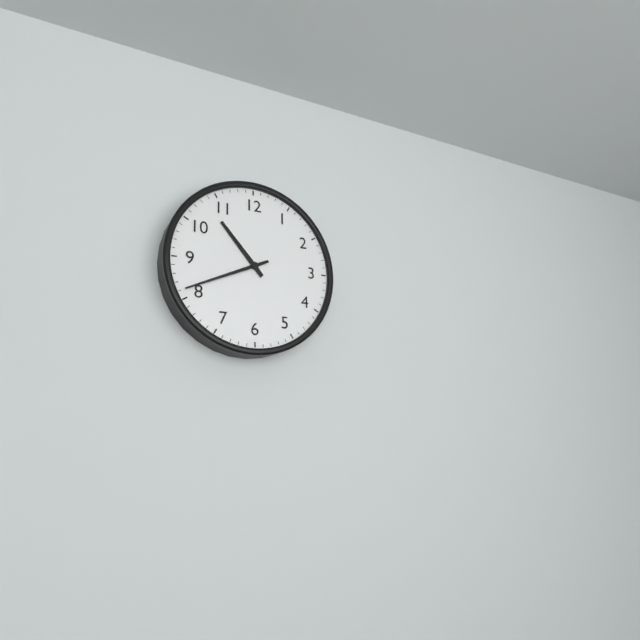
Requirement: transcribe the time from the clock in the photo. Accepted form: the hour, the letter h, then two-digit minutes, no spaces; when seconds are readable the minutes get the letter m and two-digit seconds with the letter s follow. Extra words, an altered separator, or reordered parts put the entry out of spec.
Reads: 10h41
